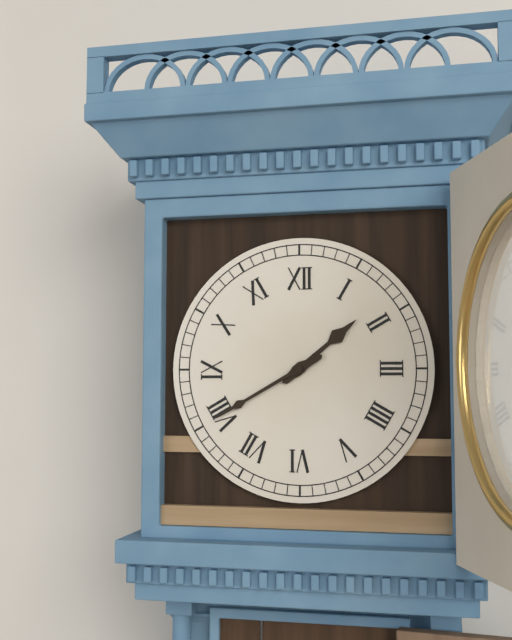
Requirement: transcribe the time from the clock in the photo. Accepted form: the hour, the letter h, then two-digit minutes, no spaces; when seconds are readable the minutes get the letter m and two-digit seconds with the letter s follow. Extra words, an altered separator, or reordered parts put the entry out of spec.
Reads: 1h40
